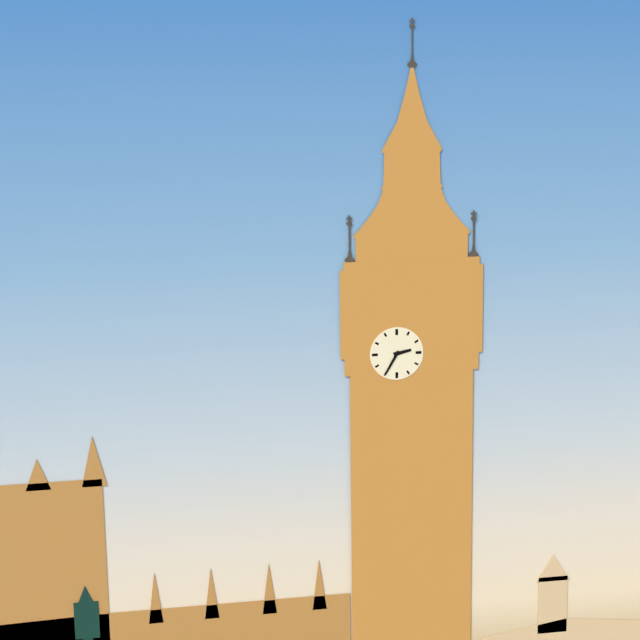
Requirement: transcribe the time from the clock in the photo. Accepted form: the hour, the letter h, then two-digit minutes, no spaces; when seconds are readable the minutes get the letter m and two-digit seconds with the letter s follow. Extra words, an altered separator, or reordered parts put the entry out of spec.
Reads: 2h35
